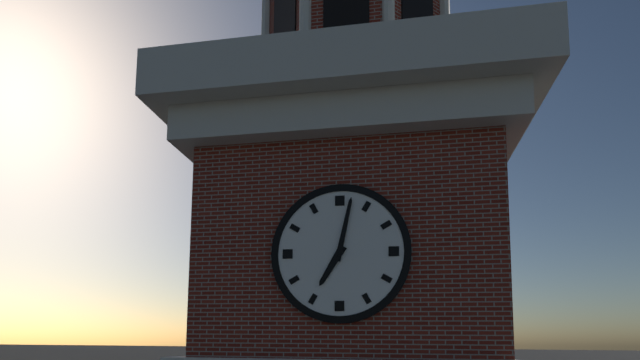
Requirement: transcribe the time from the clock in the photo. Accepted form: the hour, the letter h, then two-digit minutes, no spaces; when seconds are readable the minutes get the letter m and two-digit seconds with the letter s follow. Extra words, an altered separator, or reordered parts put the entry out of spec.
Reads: 7h02
